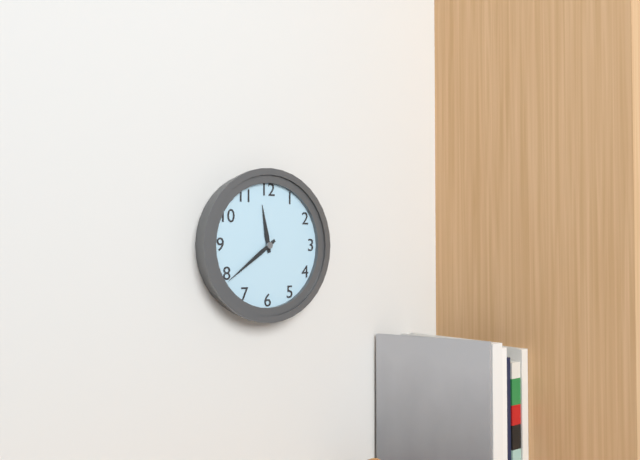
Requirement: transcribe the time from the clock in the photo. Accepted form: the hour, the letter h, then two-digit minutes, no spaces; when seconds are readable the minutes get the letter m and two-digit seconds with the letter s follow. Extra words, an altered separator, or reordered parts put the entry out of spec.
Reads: 11h39
